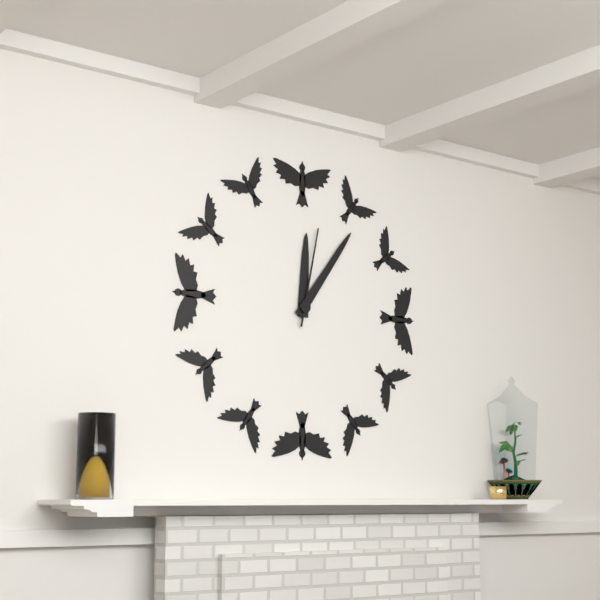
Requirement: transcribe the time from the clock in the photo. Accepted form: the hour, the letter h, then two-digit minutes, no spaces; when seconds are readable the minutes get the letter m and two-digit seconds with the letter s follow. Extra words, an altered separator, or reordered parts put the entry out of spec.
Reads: 12h06m02s
